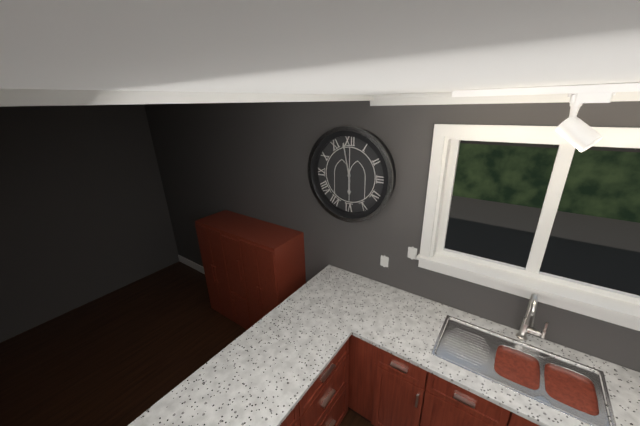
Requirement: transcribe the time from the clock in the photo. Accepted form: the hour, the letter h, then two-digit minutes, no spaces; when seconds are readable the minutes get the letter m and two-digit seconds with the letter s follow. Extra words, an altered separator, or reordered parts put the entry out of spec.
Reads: 5h58
